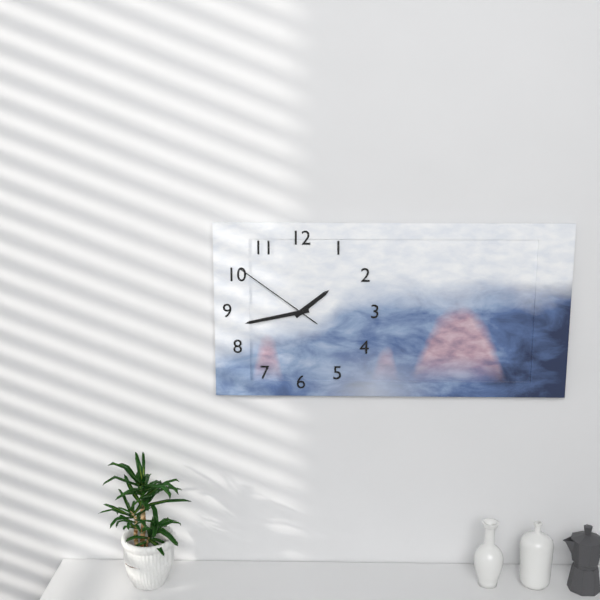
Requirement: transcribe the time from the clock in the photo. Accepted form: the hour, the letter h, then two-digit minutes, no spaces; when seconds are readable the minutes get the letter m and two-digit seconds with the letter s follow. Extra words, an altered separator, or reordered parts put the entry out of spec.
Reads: 1h43m51s
